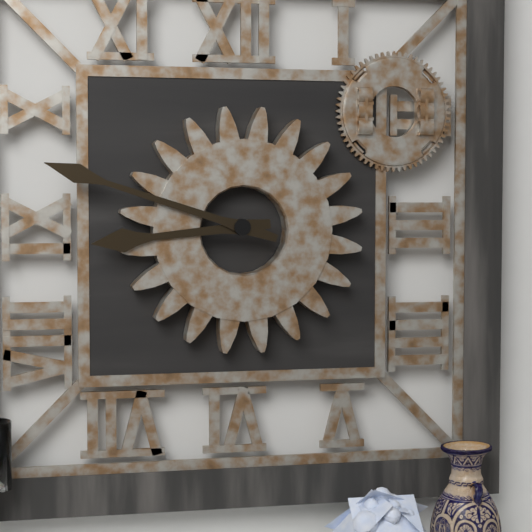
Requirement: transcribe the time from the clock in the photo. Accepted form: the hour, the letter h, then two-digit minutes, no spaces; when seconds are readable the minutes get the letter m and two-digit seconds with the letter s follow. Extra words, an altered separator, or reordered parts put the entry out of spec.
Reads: 8h48
